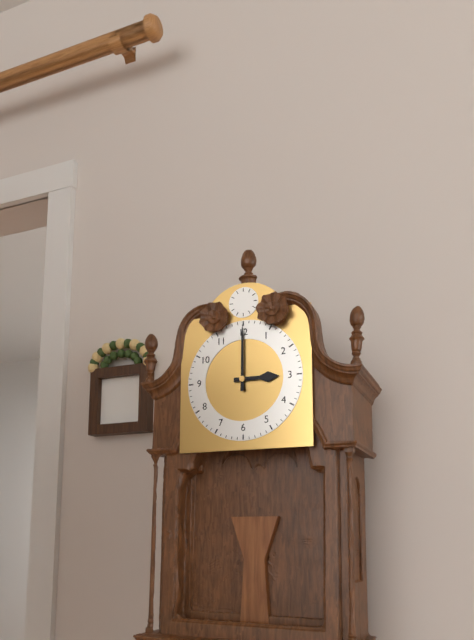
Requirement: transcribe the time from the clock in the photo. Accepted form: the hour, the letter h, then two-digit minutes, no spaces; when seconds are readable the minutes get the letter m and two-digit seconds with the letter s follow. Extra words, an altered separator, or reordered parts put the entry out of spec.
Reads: 3h00
